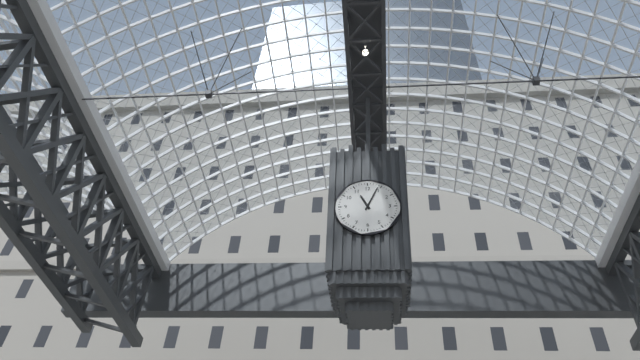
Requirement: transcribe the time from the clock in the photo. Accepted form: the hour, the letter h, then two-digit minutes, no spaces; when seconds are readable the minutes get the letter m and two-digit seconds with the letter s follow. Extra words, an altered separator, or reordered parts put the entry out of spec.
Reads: 11h04
